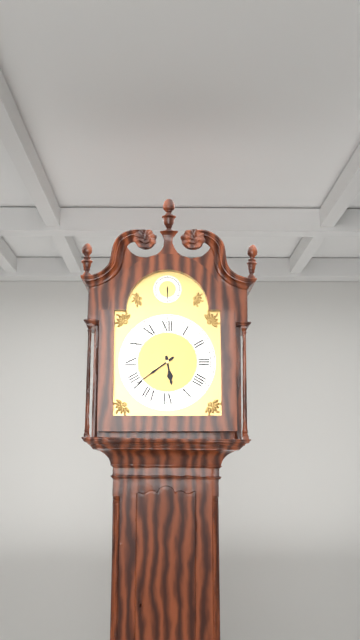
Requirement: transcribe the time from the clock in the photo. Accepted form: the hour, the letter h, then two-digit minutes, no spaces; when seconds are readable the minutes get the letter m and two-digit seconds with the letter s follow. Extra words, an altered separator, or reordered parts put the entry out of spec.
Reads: 5h39
